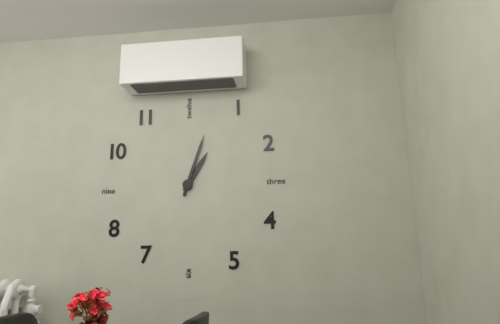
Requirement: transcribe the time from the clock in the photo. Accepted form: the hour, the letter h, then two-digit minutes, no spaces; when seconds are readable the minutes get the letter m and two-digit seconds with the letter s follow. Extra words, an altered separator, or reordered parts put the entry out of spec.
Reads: 1h03
